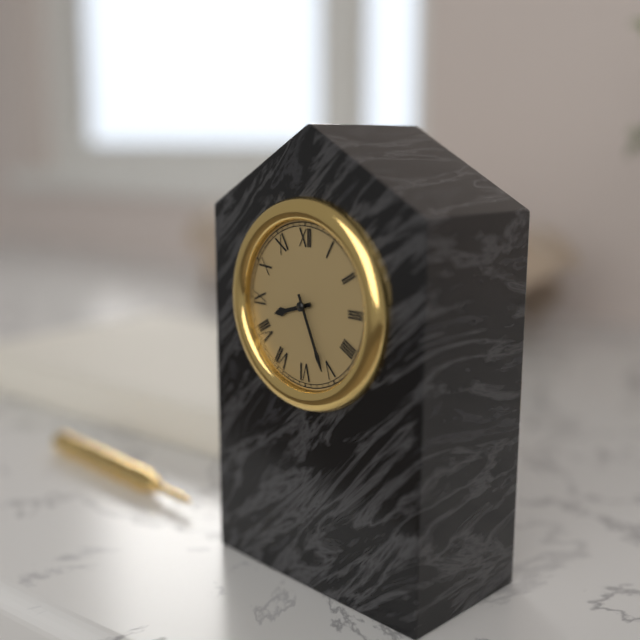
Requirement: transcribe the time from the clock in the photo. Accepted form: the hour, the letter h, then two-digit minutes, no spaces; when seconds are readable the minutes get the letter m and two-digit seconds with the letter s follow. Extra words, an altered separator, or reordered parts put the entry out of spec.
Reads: 8h26
